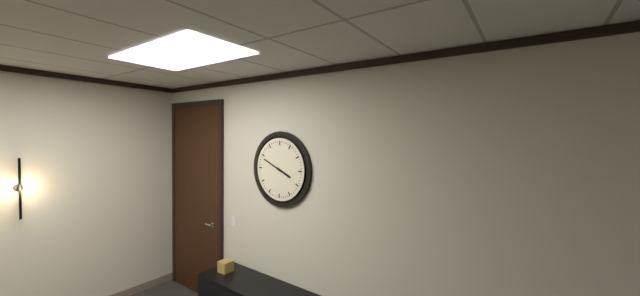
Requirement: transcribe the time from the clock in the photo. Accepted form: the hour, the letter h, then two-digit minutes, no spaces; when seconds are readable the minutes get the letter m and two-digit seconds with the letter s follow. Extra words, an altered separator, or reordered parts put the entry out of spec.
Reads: 3h49
